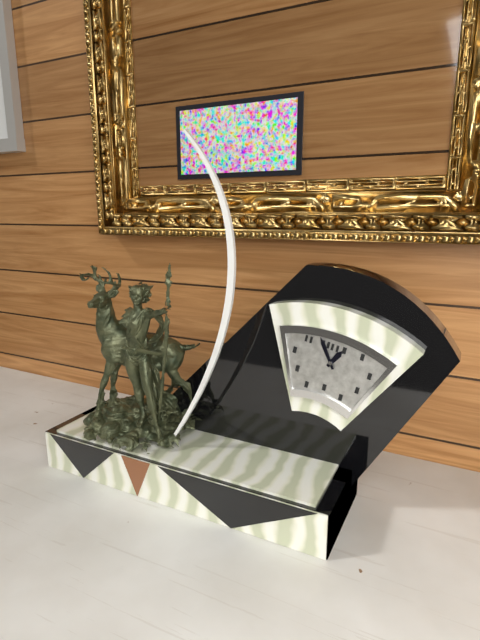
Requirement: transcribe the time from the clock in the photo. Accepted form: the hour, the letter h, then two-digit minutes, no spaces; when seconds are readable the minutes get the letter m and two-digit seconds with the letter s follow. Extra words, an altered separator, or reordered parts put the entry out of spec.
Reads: 12h54
